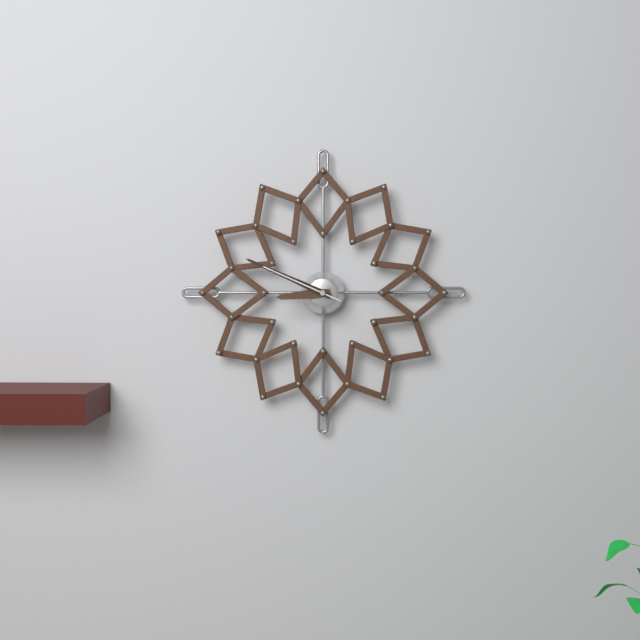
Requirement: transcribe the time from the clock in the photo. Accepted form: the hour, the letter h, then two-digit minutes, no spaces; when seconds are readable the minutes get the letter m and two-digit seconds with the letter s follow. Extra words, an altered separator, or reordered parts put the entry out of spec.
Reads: 8h49m49s
